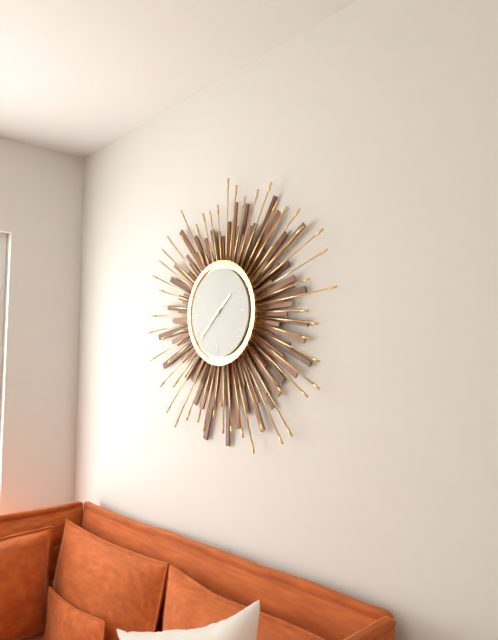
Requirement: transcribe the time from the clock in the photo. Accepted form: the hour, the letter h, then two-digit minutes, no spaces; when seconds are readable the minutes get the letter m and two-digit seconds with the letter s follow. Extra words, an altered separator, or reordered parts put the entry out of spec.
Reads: 1h38
